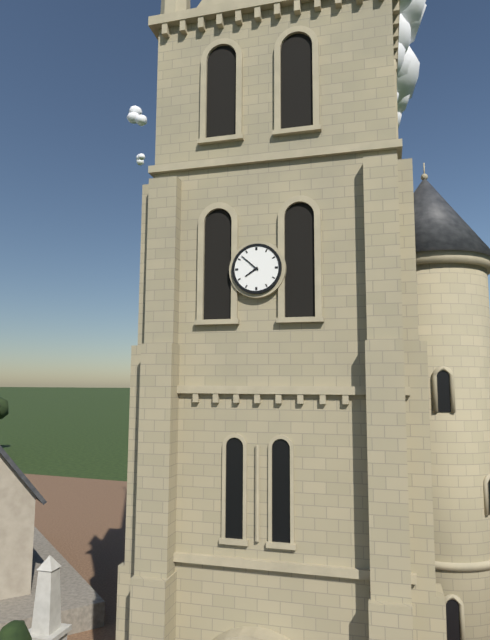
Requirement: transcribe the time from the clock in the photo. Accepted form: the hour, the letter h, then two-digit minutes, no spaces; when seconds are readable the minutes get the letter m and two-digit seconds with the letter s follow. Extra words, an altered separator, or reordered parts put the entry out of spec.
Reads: 7h52
